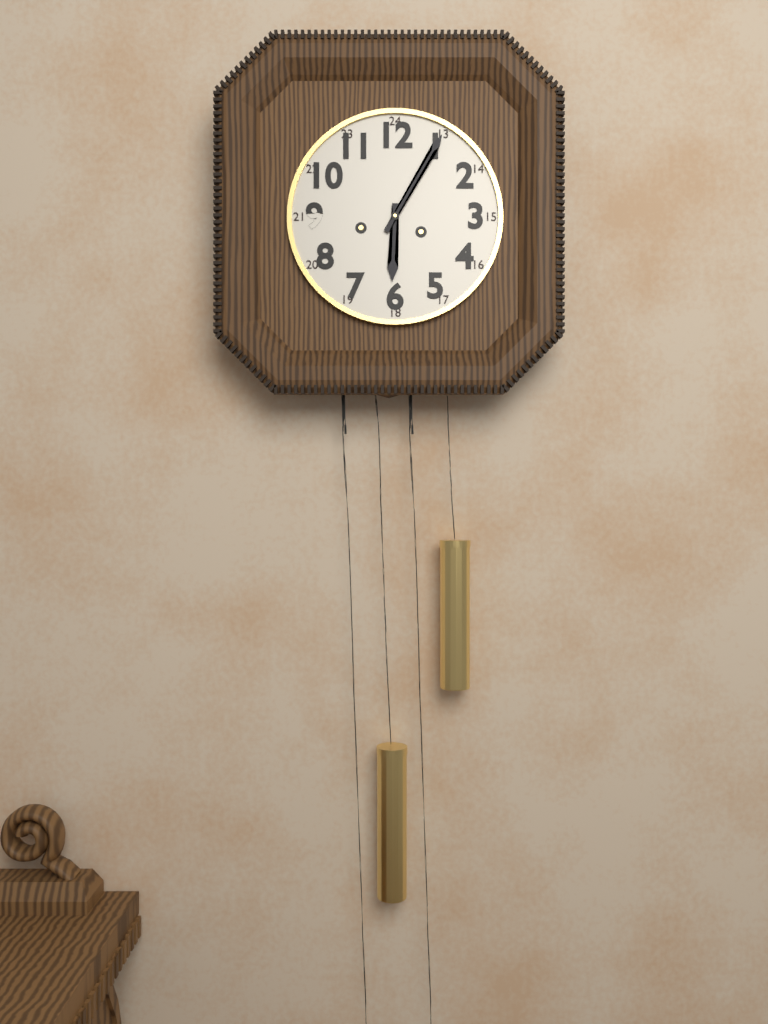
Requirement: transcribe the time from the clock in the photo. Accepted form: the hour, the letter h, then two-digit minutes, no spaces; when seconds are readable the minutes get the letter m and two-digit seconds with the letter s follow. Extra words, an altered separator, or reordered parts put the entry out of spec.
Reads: 6h05
